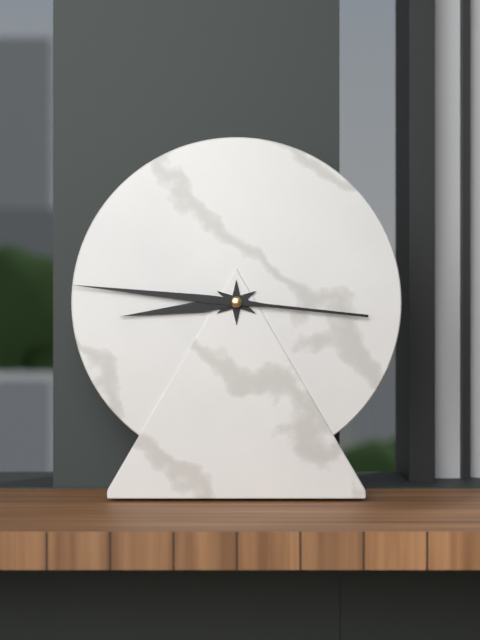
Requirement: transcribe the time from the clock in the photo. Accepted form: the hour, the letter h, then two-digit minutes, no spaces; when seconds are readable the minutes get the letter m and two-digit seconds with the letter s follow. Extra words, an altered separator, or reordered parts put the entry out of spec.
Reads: 8h46
